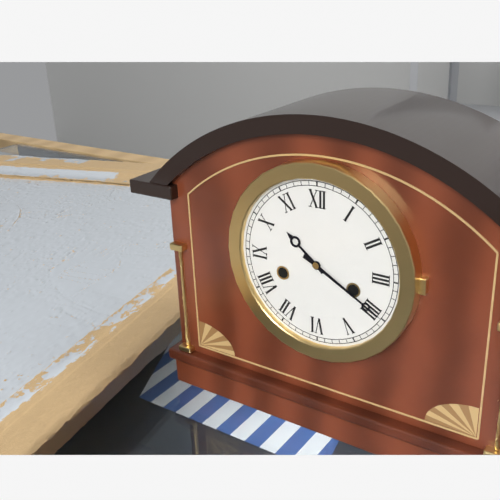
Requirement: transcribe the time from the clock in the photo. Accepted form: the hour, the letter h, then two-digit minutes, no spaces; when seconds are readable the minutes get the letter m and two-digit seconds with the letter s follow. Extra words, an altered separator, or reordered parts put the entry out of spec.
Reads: 10h20
